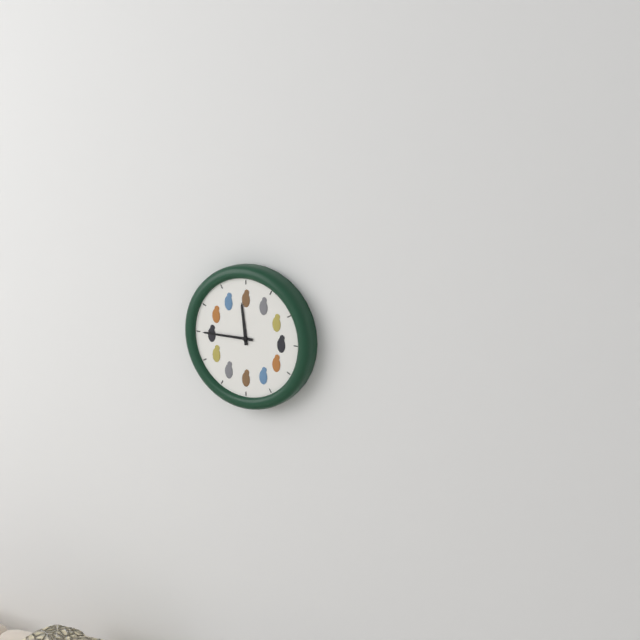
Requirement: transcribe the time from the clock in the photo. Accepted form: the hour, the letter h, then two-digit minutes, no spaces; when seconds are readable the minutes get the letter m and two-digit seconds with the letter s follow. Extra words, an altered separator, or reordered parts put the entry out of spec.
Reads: 11h45
